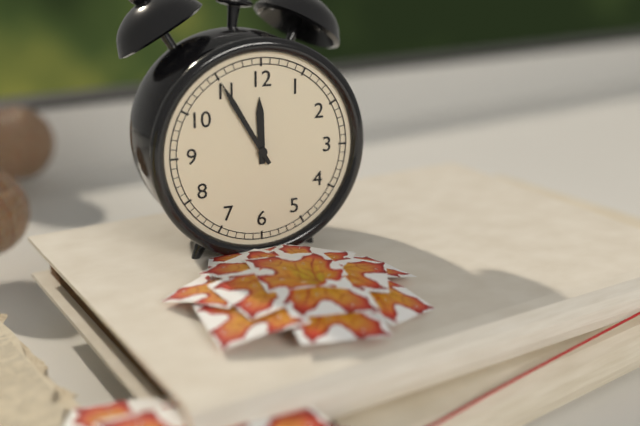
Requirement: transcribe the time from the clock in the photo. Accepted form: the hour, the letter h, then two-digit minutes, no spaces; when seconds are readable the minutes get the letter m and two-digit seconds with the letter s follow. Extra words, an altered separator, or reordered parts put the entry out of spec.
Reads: 11h55
